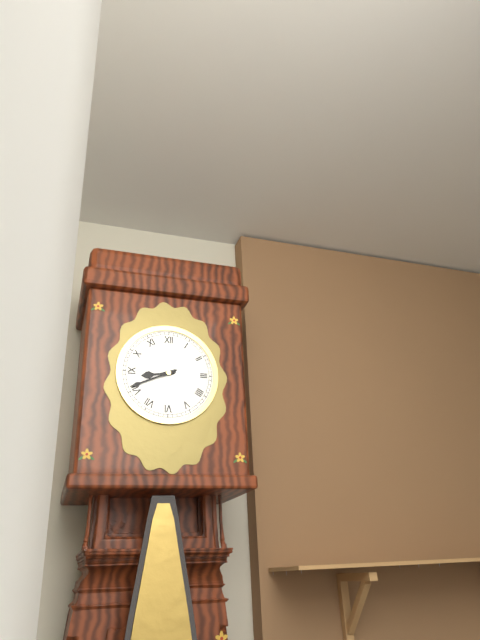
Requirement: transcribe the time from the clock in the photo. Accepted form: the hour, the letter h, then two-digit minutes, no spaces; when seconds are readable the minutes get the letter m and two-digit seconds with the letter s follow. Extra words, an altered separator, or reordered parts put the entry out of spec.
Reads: 8h41
